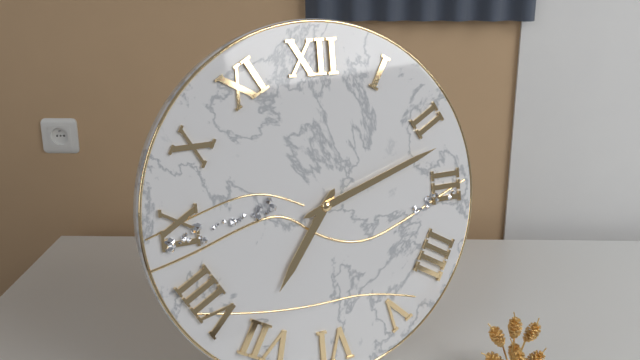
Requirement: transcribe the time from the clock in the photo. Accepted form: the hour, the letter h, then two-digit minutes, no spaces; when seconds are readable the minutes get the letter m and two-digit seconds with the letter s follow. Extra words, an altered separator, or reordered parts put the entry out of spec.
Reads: 7h12
